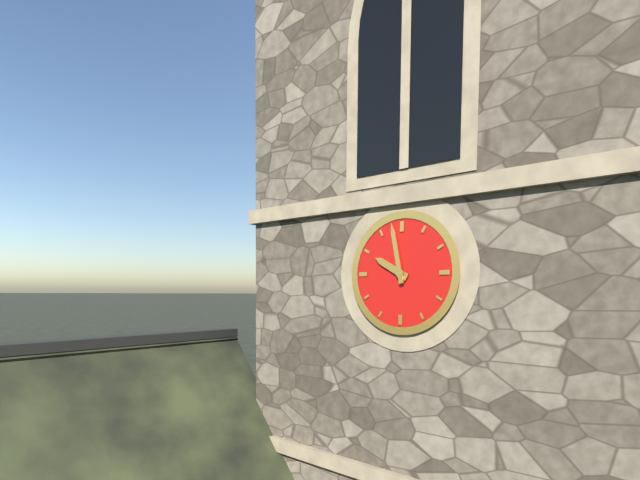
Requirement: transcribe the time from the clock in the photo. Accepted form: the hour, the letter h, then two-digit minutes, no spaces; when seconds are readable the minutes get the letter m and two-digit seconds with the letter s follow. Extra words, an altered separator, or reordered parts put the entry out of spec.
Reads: 9h58
